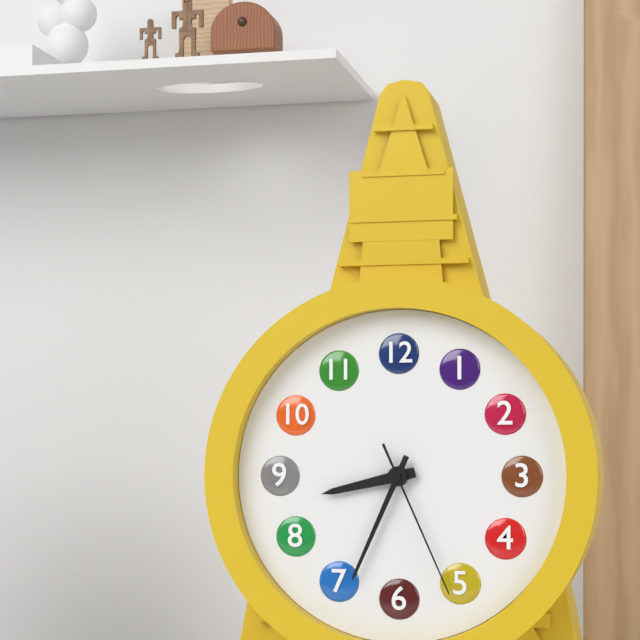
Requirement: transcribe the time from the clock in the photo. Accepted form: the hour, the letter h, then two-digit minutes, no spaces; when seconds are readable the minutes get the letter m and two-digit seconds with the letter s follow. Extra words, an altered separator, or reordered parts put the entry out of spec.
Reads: 8h34m26s
